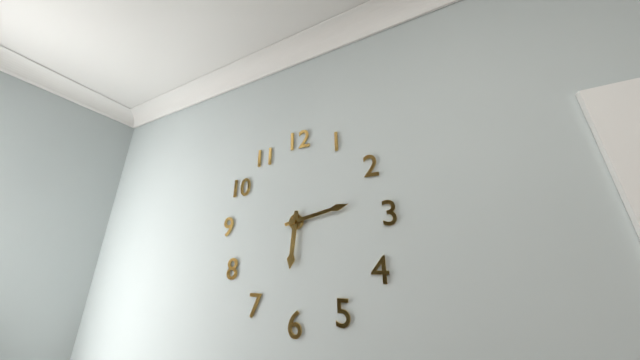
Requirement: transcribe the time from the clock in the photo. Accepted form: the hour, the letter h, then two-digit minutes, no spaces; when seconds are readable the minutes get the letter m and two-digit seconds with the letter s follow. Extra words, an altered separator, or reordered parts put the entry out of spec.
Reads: 6h13
